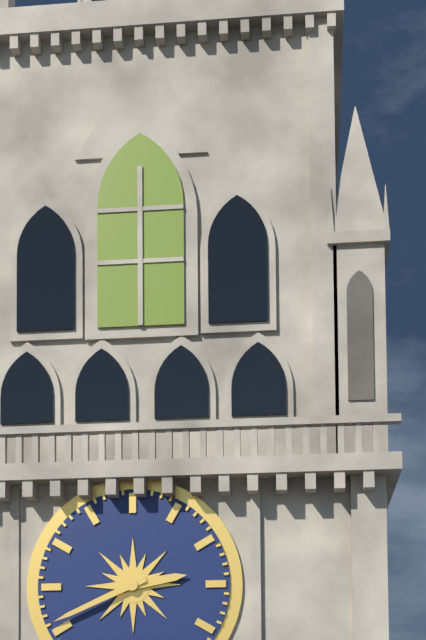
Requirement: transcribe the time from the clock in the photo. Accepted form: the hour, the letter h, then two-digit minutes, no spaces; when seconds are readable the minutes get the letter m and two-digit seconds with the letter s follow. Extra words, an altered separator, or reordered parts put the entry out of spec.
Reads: 2h41
